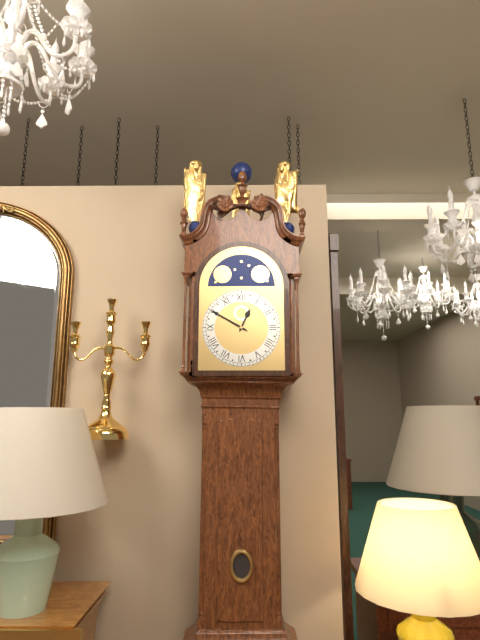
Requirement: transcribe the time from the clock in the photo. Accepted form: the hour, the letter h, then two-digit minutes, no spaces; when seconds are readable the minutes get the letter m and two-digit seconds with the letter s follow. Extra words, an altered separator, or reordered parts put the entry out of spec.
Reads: 12h50
